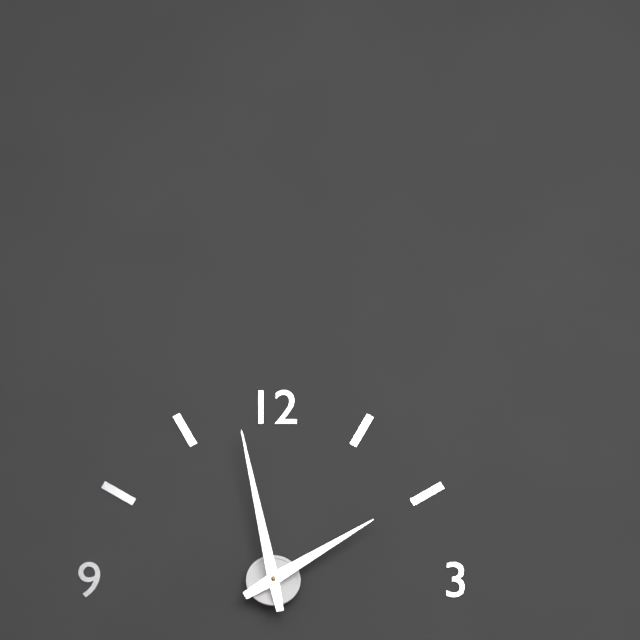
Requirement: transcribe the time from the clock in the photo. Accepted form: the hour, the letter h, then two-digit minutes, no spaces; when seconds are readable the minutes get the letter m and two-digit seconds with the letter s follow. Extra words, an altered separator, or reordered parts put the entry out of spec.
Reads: 1h58
